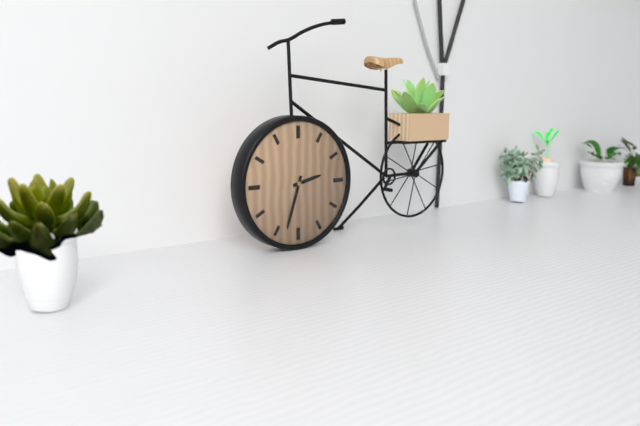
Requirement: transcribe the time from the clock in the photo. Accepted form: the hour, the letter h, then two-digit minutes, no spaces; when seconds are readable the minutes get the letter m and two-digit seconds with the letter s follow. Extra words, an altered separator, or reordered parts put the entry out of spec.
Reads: 2h33
